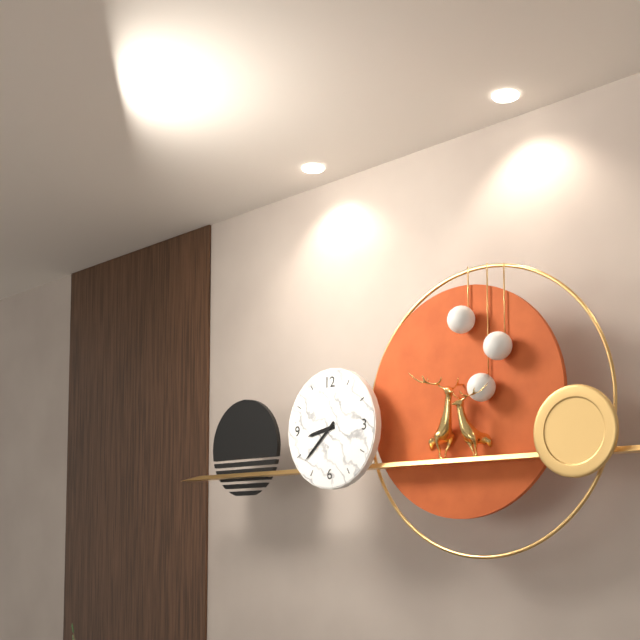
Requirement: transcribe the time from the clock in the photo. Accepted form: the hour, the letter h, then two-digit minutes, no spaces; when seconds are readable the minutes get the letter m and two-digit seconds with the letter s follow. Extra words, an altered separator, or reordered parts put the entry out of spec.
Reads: 8h38
